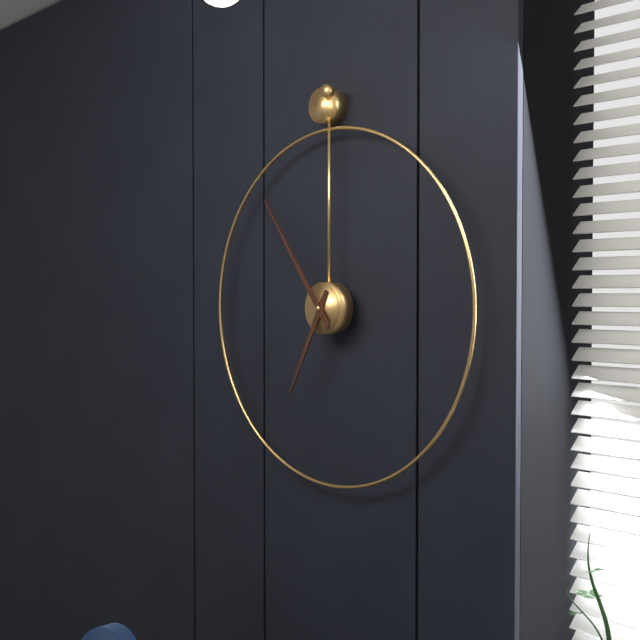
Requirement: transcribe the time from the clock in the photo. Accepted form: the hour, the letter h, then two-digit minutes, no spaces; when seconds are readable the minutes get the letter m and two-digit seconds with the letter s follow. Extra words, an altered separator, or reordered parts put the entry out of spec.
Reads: 6h54
